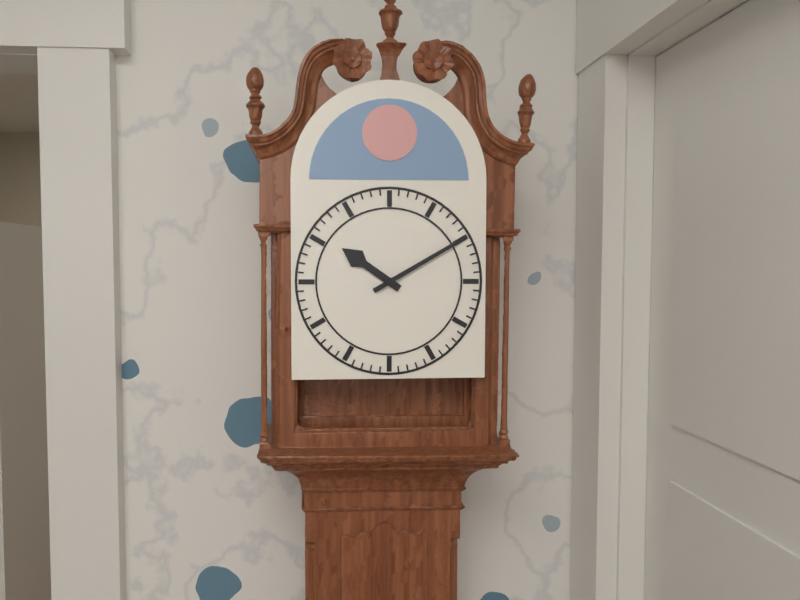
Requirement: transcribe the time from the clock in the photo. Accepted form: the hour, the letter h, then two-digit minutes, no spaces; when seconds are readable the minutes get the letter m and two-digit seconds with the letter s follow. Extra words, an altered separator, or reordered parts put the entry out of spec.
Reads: 10h10
